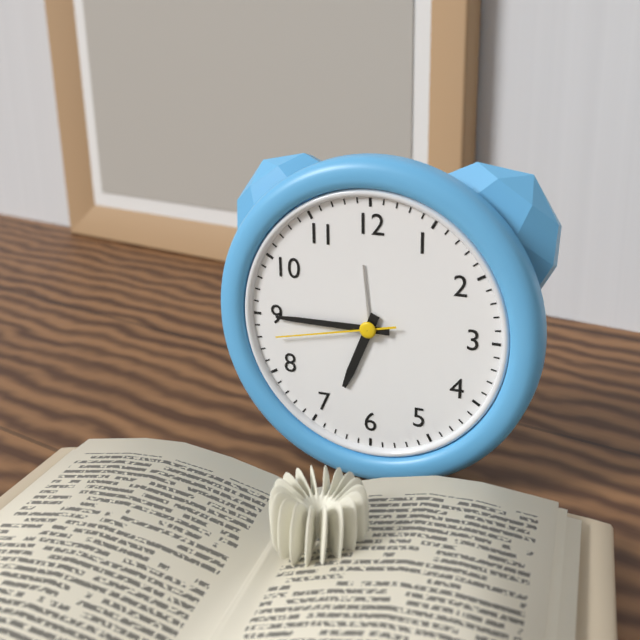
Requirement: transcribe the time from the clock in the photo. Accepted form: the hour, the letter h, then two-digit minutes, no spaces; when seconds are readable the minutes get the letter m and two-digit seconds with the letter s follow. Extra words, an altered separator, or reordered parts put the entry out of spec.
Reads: 6h45m43s
